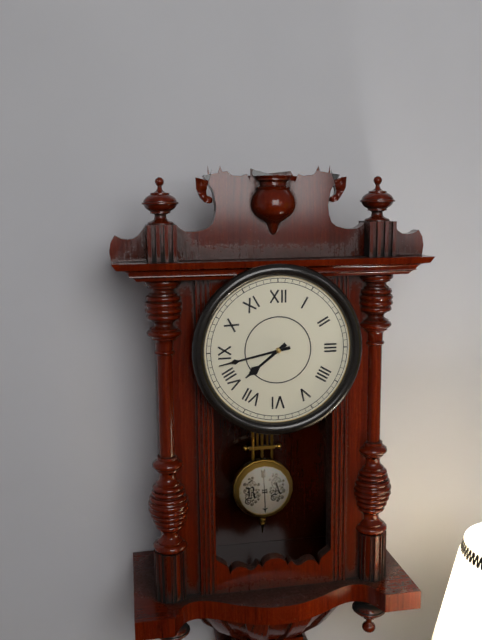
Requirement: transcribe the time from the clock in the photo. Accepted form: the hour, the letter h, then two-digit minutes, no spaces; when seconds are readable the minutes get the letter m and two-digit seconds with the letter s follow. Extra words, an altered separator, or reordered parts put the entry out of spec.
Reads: 7h43
